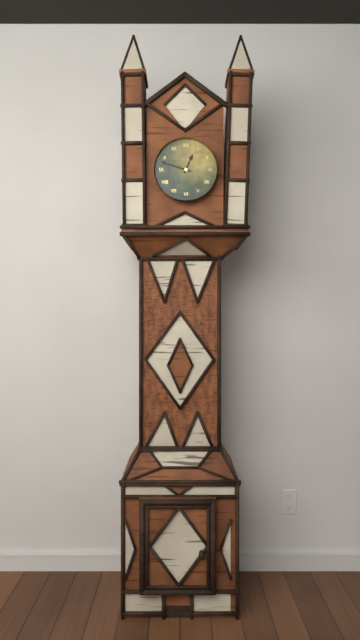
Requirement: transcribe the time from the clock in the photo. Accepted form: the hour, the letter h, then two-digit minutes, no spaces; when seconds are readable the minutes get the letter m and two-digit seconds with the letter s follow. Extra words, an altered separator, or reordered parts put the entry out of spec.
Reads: 12h48
